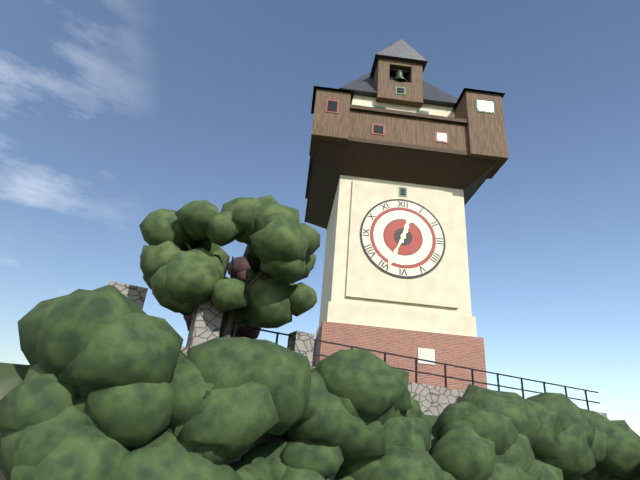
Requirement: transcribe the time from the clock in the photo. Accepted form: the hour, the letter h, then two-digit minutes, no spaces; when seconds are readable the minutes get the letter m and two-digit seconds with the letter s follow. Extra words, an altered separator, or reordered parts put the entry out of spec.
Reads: 12h34
